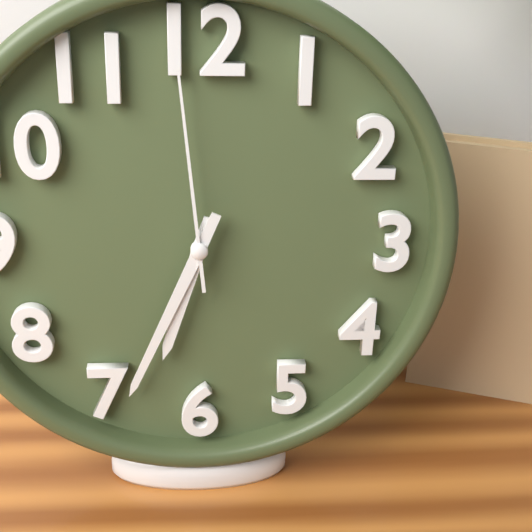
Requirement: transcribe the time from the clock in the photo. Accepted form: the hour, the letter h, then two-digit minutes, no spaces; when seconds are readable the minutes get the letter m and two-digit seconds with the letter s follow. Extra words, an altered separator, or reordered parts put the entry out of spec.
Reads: 6h34m59s
